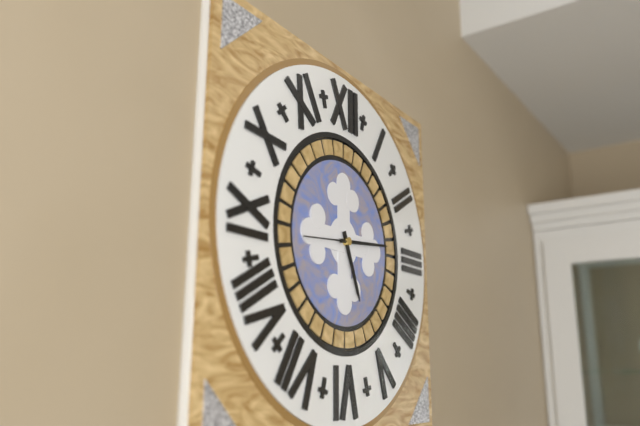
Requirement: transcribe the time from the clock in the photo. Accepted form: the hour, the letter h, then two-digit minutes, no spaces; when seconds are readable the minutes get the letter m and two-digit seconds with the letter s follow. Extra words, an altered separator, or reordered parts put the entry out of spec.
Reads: 5h14
